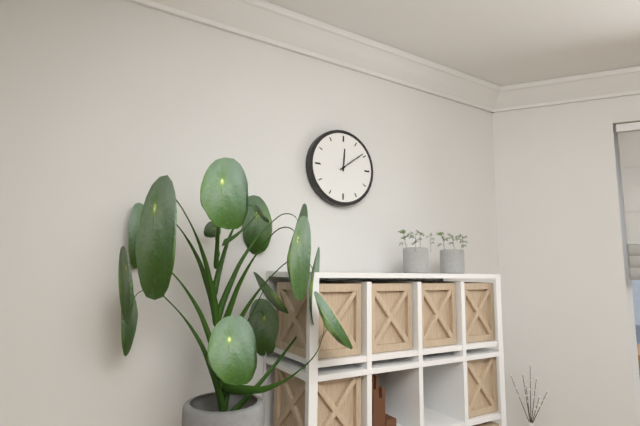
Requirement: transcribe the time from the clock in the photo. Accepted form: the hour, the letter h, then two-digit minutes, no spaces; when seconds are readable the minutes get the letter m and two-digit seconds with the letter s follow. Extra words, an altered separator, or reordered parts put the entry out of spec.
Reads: 12h09
